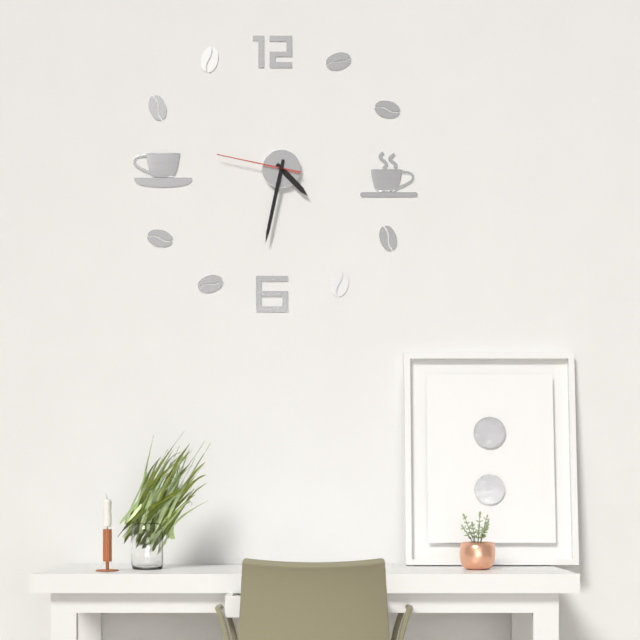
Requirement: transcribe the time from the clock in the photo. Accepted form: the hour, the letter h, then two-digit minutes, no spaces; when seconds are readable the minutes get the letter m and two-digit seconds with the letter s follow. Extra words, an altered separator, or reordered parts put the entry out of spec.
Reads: 4h32m47s
